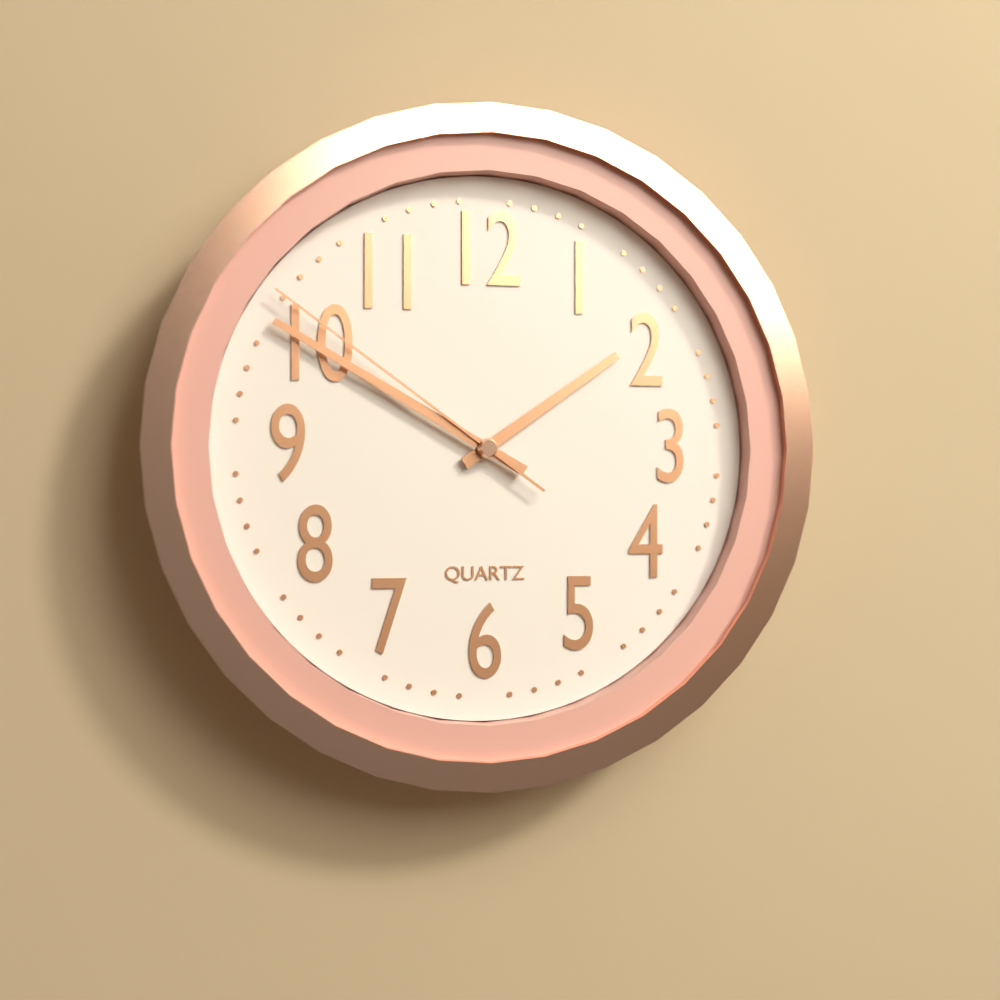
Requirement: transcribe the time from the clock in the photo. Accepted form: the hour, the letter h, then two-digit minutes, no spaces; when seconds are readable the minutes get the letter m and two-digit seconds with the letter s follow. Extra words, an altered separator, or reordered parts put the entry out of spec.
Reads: 1h50m51s
